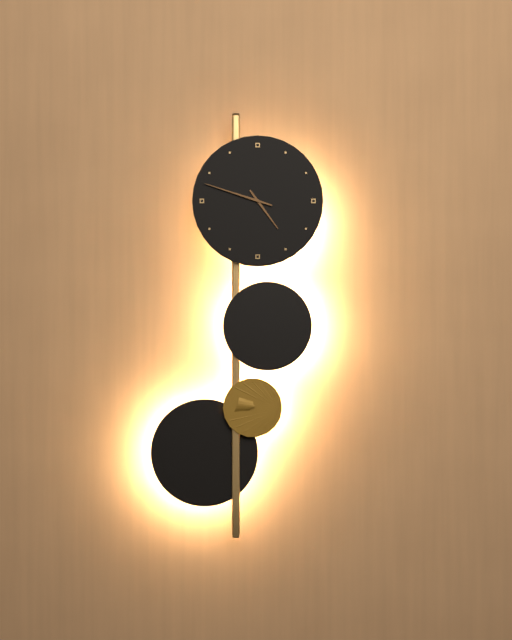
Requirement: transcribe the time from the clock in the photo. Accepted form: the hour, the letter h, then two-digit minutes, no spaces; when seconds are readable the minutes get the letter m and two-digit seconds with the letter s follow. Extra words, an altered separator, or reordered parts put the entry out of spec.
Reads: 4h48
